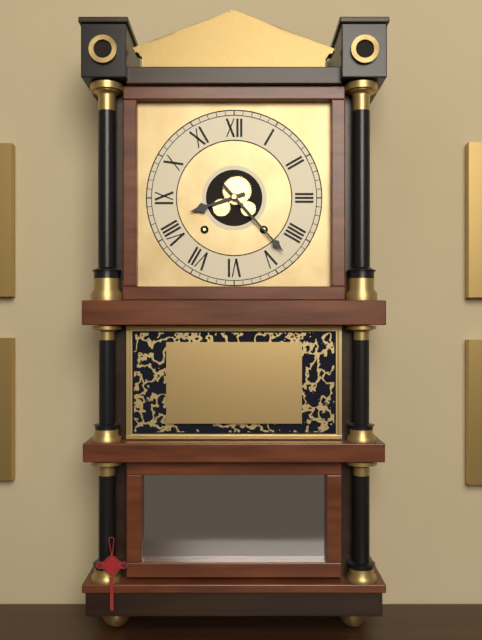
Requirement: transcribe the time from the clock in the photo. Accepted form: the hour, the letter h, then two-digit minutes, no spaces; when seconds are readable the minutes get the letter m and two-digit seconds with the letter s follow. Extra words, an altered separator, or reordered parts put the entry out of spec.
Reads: 8h23
